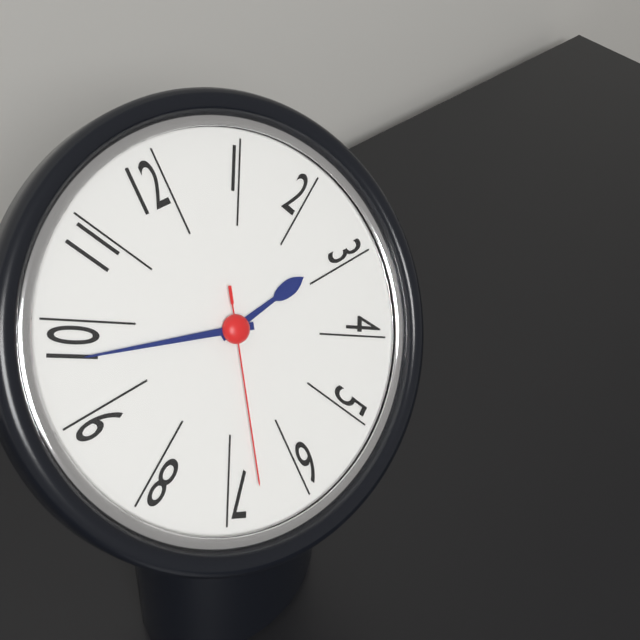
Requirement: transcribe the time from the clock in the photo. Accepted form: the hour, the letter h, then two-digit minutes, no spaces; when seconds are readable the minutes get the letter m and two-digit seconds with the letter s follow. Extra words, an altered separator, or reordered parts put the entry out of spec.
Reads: 2h48m33s
